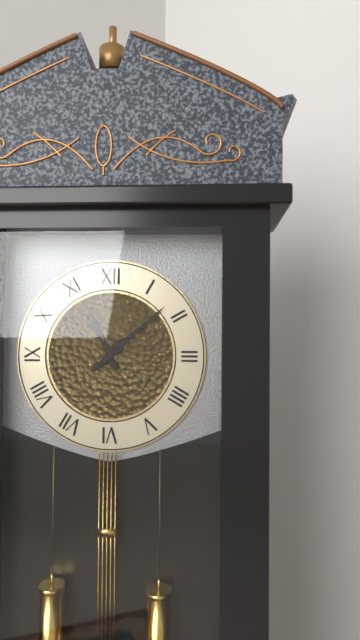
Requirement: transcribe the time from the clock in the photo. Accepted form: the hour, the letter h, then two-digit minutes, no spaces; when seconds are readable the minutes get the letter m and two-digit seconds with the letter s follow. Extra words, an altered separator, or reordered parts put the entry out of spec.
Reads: 11h08
